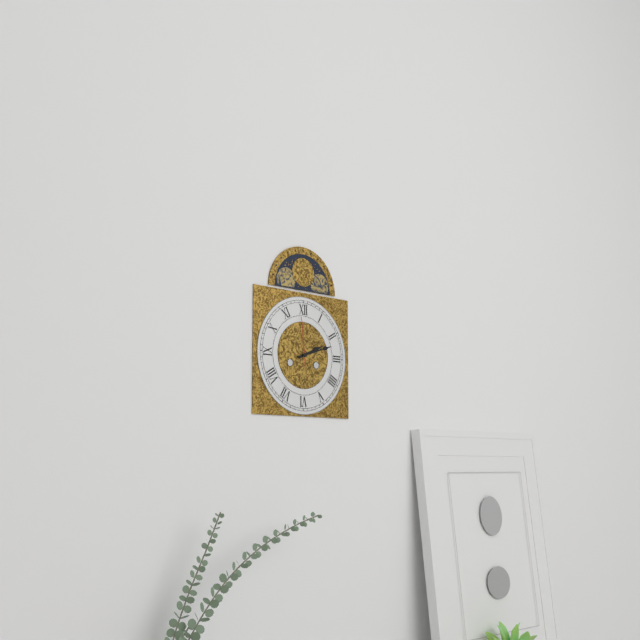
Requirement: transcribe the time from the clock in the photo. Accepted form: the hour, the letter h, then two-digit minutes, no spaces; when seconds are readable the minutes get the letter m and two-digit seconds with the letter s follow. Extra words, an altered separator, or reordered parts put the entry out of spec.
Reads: 2h12
